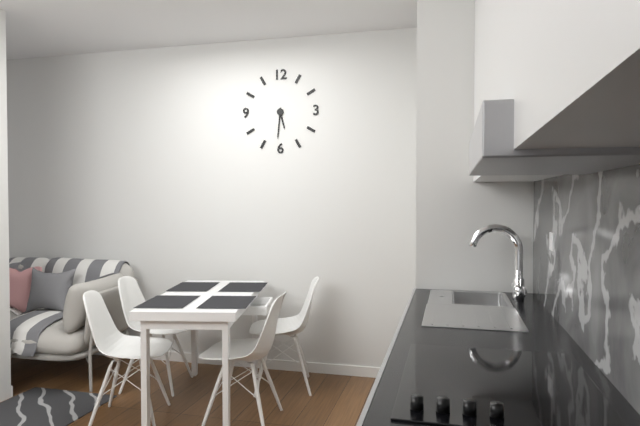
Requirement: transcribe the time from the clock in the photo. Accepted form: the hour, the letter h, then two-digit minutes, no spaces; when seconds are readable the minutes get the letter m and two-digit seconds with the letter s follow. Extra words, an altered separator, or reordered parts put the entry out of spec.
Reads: 5h31
